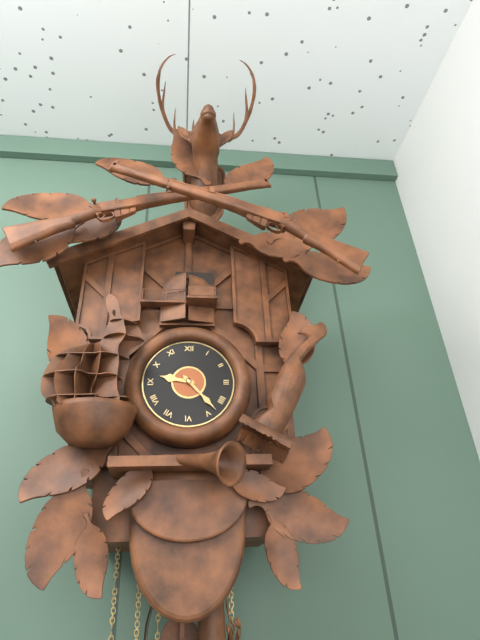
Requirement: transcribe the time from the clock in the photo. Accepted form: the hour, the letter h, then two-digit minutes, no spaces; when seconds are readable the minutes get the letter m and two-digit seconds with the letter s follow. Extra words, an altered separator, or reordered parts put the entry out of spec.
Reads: 9h23
